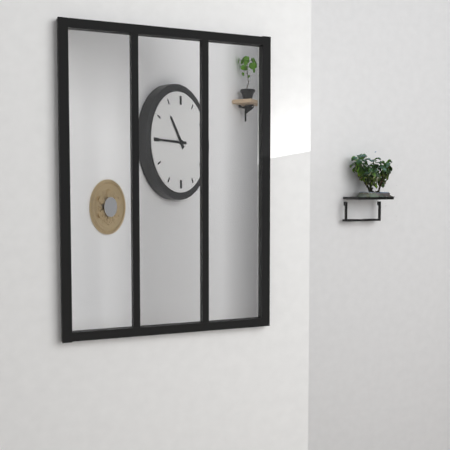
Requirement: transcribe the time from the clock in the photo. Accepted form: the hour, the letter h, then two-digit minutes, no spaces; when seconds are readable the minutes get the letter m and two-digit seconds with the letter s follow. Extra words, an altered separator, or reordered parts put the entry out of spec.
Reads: 10h45
